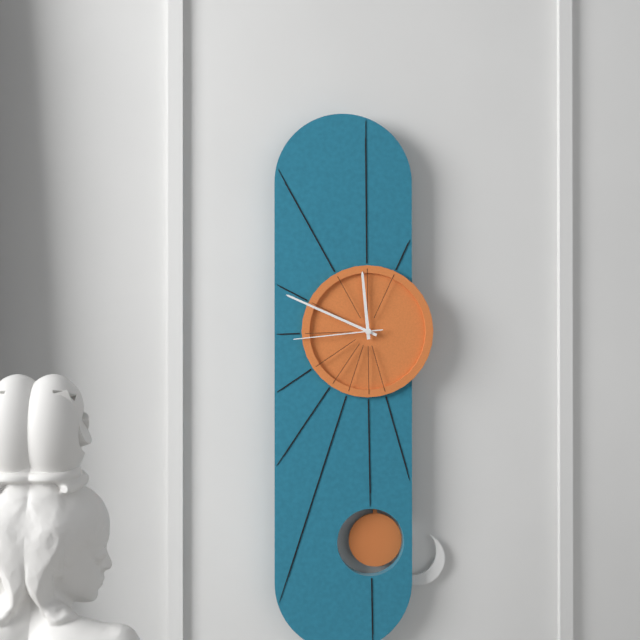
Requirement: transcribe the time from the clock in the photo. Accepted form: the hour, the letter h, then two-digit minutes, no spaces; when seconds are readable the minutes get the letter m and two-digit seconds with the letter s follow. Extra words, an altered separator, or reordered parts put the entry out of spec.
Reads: 11h49m44s
